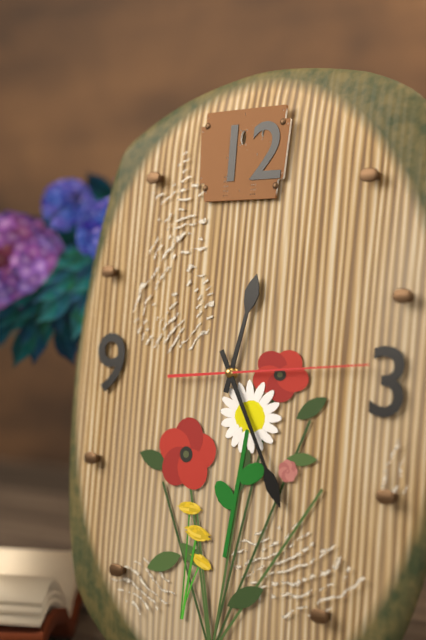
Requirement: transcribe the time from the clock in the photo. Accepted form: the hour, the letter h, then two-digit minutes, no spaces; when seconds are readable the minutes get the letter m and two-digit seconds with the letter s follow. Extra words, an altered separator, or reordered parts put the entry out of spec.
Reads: 12h25m14s
